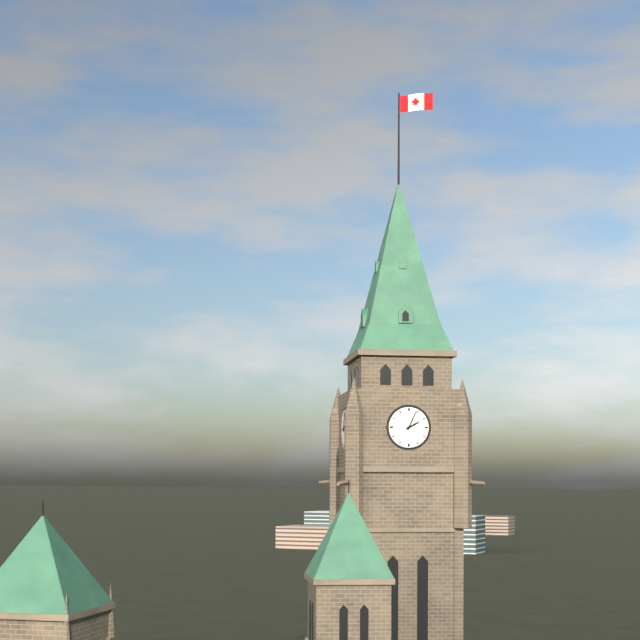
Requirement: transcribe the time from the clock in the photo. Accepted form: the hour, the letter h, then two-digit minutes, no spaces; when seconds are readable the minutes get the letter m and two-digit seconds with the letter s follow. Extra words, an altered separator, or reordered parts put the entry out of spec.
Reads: 2h04
